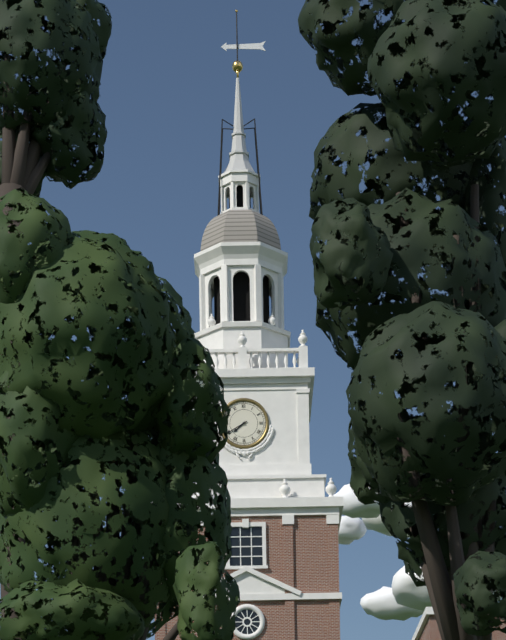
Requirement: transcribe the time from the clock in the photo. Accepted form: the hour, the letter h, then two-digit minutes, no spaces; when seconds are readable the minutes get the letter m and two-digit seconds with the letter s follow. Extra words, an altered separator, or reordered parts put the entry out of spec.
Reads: 7h40
